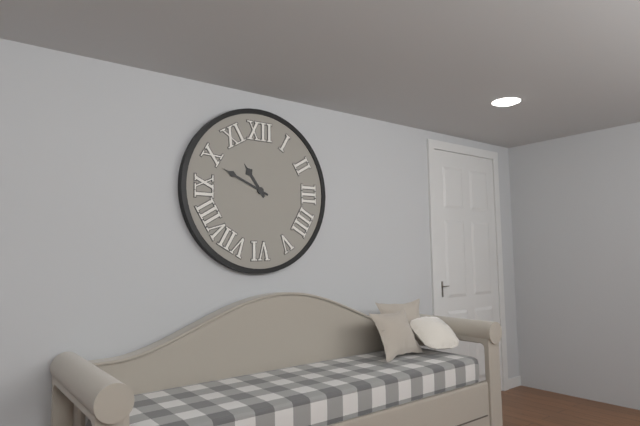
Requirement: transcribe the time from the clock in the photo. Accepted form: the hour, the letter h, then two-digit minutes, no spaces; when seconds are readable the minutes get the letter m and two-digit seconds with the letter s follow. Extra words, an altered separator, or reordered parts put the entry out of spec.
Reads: 10h49
